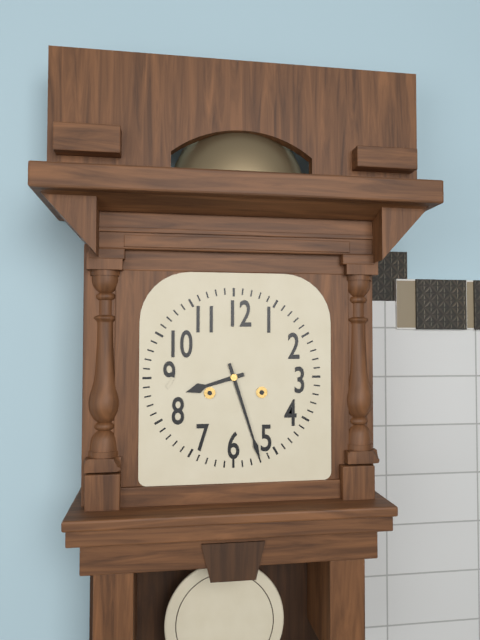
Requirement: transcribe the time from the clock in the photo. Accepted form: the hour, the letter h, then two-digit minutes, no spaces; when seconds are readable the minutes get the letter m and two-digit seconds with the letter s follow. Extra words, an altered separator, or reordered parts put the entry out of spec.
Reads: 8h27
